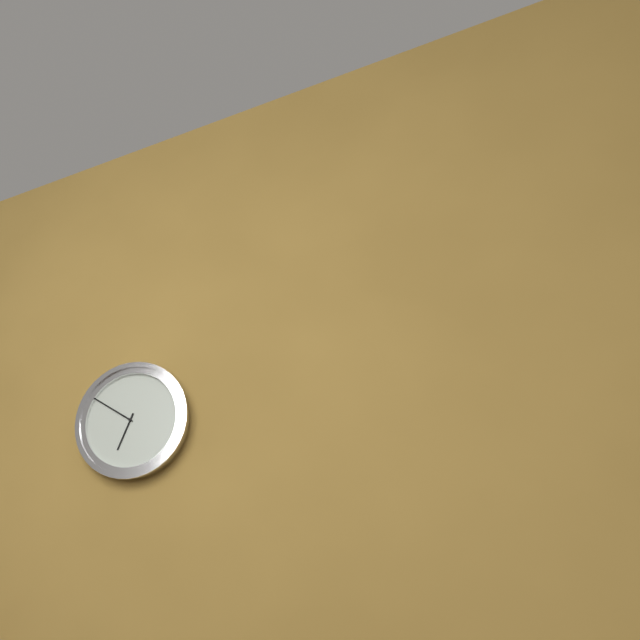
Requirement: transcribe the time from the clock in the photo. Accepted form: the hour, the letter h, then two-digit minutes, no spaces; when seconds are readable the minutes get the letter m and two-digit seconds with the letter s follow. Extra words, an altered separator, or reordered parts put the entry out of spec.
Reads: 6h51
